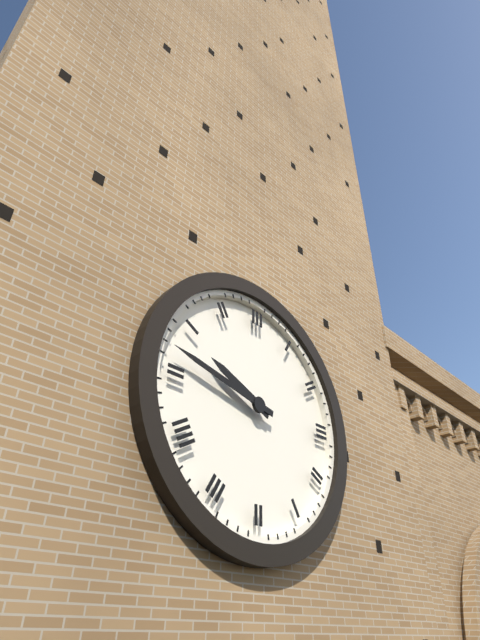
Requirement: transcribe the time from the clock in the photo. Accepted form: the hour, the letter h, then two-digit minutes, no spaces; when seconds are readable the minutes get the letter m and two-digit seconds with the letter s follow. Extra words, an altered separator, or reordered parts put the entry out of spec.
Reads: 9h47
